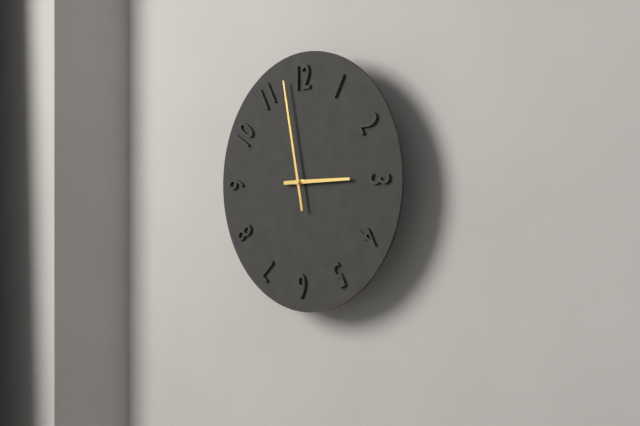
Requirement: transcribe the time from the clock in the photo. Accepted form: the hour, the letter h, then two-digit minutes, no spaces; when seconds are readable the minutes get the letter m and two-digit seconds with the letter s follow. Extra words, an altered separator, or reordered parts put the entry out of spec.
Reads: 2h58
